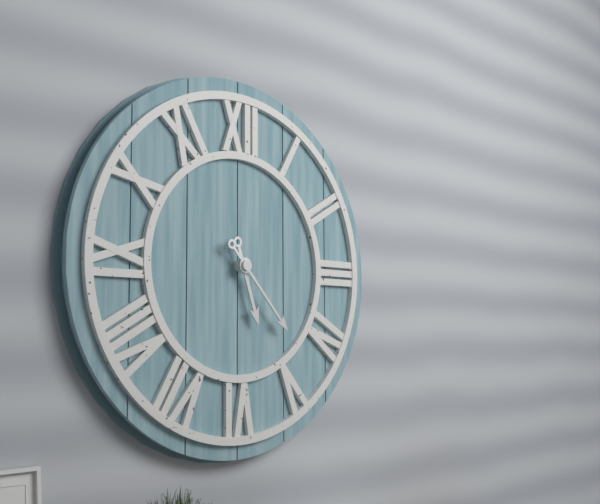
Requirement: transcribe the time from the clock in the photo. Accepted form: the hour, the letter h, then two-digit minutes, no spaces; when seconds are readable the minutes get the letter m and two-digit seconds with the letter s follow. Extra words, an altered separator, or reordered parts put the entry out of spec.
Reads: 5h23
